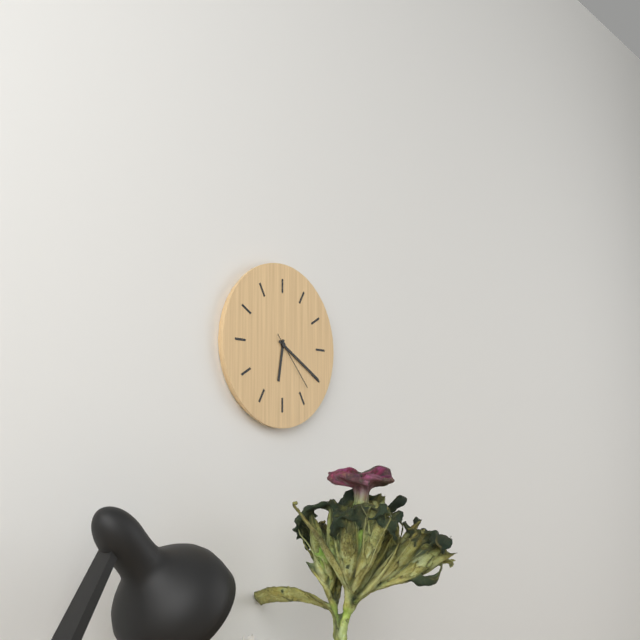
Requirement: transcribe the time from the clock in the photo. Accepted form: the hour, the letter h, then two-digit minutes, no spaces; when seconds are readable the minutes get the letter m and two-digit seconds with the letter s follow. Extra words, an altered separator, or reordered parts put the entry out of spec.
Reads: 6h20m23s
